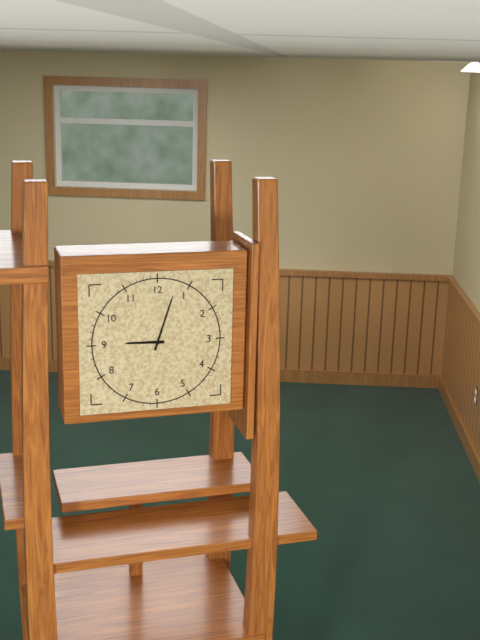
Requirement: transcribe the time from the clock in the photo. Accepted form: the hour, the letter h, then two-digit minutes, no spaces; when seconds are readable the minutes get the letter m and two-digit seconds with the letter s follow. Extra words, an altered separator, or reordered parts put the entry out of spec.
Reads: 9h03
